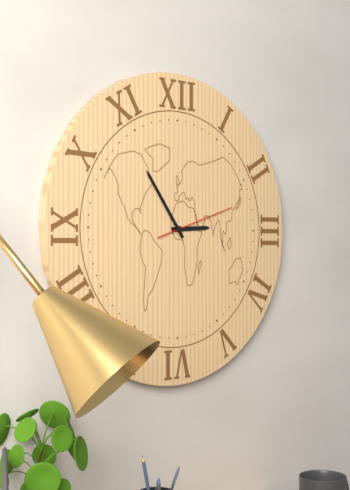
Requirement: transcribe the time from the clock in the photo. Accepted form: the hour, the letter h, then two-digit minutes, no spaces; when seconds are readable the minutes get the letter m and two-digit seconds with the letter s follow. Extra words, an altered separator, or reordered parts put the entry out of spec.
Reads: 2h54m12s
